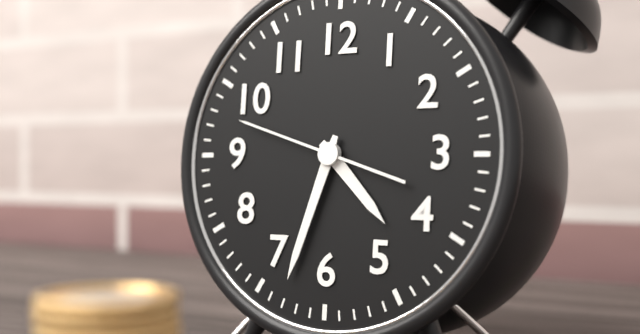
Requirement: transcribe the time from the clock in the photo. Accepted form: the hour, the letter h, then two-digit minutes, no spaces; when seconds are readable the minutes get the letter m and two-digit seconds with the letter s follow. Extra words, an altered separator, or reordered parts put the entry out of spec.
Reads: 4h33m48s
